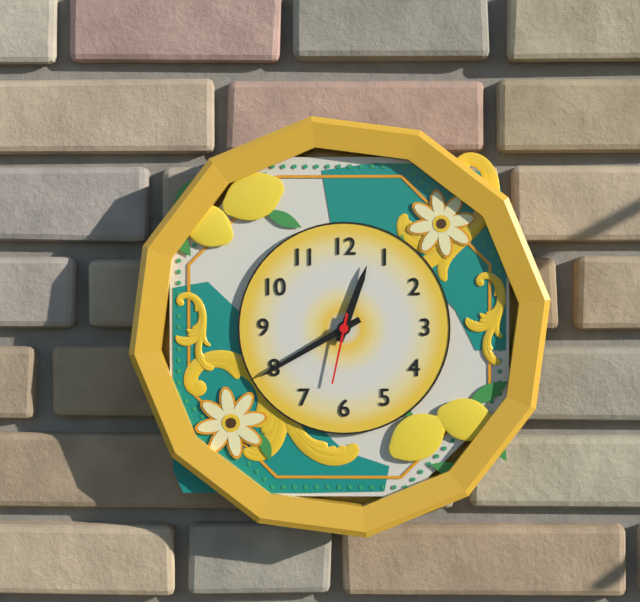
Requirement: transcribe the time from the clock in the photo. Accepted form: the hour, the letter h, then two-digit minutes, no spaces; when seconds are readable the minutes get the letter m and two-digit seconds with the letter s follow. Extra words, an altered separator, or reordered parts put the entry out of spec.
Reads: 12h40m32s
